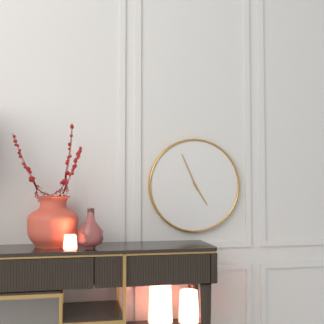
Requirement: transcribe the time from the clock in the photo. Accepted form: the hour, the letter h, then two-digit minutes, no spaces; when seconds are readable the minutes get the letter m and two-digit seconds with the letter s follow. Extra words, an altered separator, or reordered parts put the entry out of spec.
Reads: 4h56
